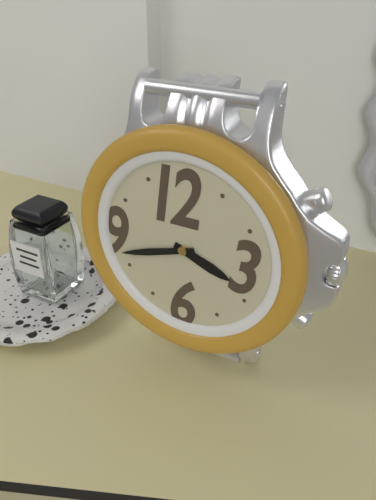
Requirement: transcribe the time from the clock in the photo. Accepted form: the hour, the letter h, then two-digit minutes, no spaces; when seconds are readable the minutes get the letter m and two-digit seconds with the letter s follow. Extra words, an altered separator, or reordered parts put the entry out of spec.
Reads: 3h42
